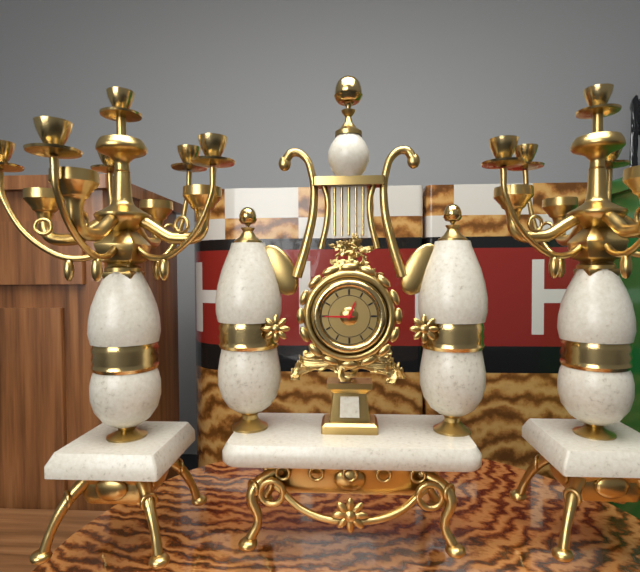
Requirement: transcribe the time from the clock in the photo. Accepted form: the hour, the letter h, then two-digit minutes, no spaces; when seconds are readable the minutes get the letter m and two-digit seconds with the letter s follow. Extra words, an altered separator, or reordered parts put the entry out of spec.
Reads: 12h45
